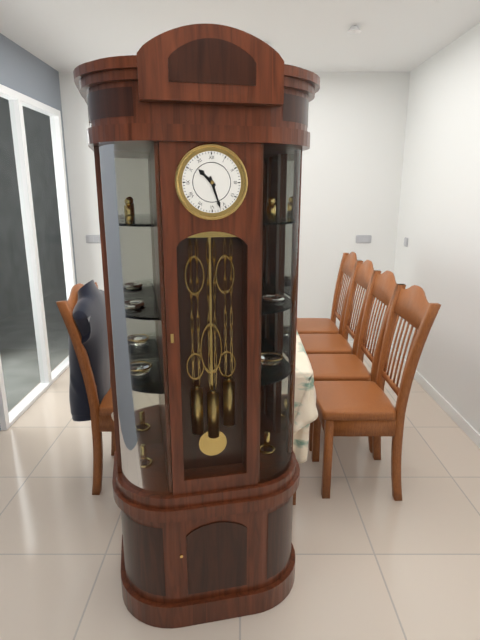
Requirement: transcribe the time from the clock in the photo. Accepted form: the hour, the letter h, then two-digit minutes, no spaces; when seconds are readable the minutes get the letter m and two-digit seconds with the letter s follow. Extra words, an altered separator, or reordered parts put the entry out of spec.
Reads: 10h27
